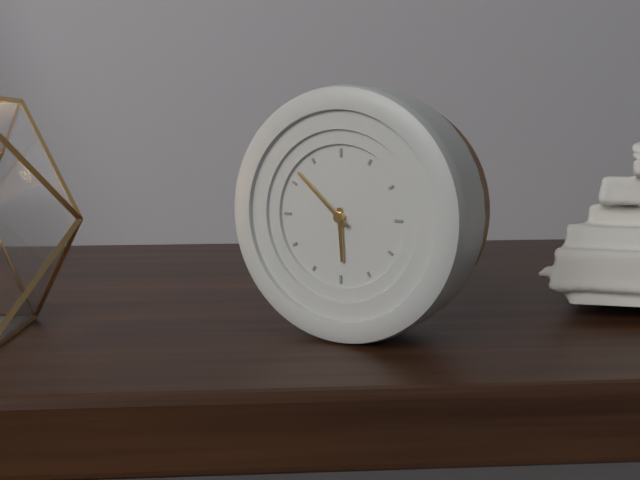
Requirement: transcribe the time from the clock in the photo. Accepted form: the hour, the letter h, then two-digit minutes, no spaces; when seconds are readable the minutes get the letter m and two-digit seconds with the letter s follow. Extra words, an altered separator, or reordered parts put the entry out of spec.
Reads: 5h52
